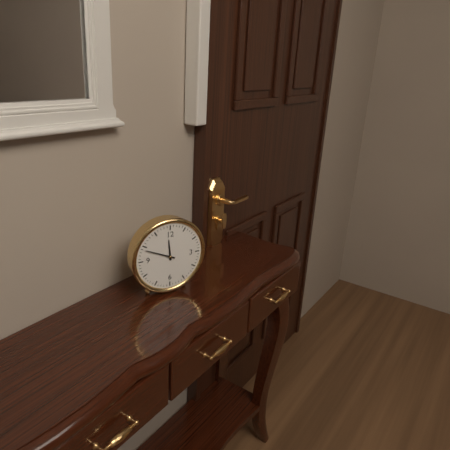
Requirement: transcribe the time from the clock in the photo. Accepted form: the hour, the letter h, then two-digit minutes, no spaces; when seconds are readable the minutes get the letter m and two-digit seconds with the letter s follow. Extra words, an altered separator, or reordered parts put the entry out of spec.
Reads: 11h49
